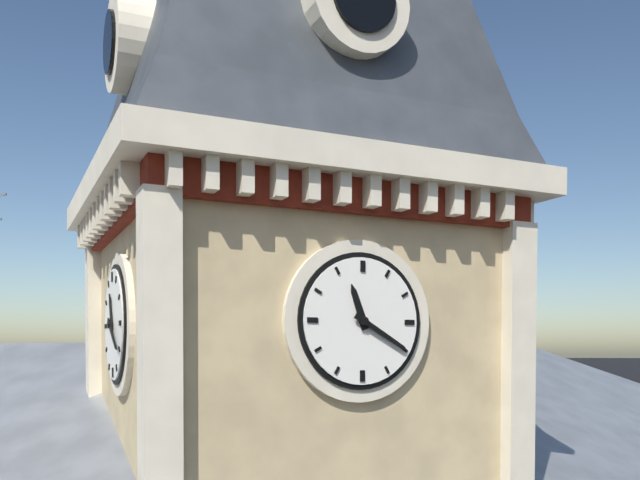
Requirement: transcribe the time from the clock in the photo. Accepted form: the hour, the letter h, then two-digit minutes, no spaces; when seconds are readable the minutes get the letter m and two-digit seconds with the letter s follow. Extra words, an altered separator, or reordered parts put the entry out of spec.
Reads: 11h20
